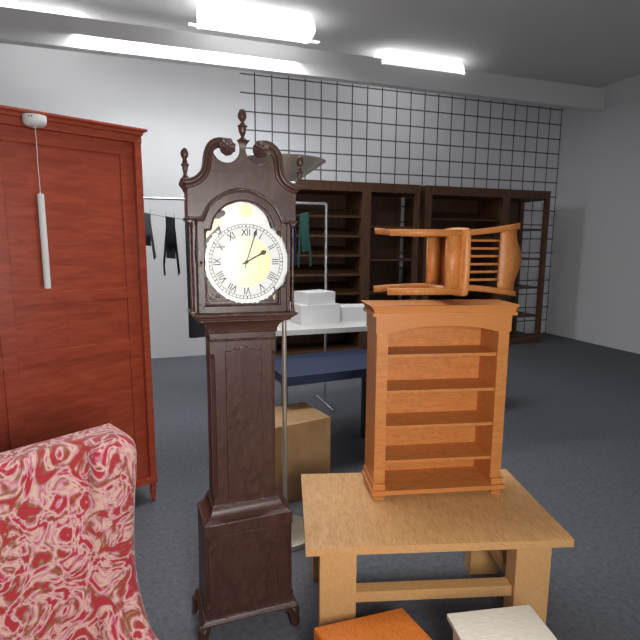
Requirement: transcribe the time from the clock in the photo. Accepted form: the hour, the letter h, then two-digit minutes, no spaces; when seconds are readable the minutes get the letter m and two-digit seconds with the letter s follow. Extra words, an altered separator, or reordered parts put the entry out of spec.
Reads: 2h03
